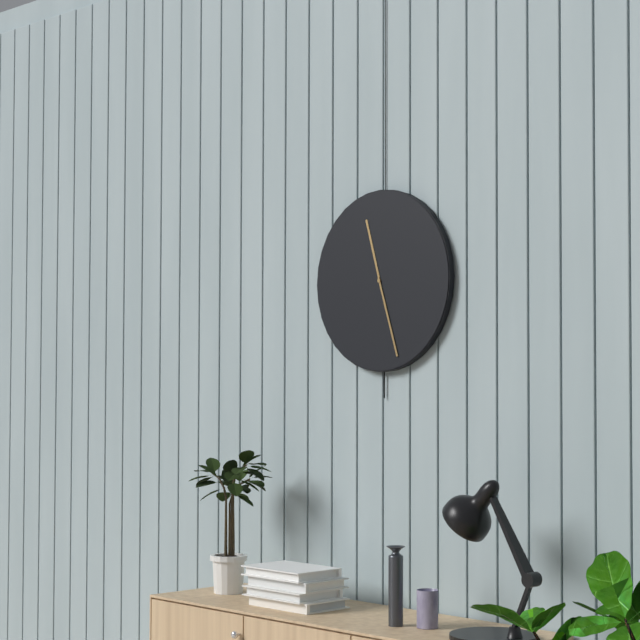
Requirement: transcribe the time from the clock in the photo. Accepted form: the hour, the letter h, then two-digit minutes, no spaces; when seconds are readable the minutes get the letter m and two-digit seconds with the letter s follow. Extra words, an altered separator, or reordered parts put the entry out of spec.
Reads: 11h27
